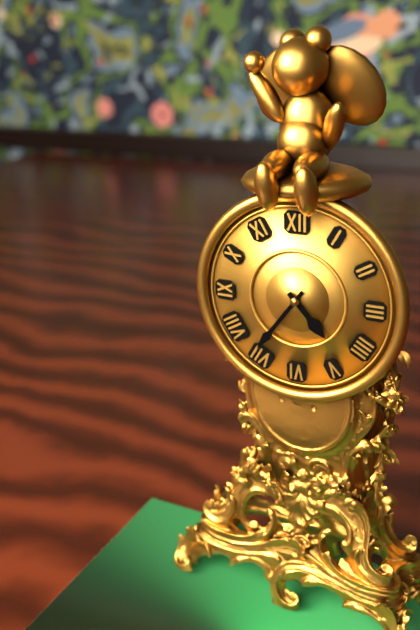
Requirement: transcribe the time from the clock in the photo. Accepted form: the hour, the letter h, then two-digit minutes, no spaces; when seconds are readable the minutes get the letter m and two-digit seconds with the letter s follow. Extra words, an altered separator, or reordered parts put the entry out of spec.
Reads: 4h36
